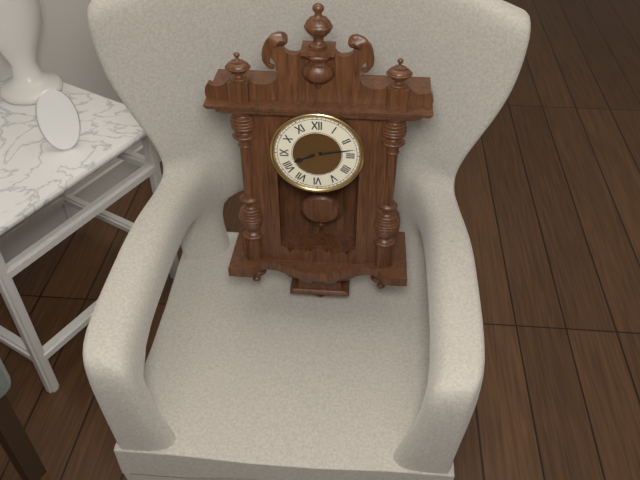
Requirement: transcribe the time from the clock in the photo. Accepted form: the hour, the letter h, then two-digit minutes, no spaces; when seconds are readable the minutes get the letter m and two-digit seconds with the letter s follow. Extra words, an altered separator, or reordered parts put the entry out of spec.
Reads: 8h13
